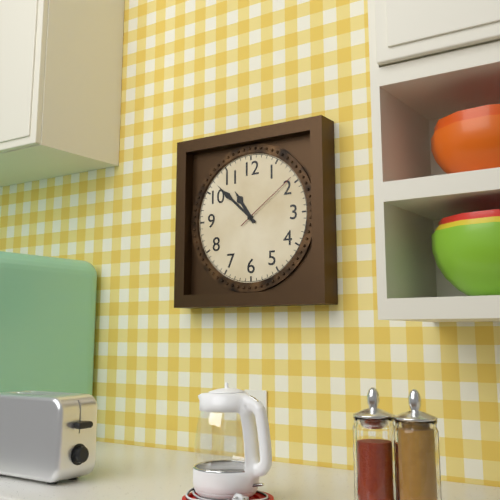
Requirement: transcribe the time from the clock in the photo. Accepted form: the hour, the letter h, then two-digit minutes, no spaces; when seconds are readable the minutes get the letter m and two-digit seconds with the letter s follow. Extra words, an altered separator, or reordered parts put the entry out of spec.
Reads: 10h52m09s
